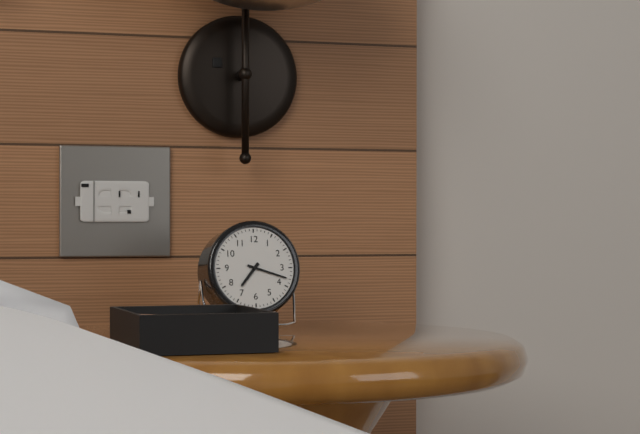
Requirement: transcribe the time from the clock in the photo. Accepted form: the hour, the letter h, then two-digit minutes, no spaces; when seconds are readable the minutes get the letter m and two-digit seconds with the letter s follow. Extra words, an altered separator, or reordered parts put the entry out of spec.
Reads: 7h18
